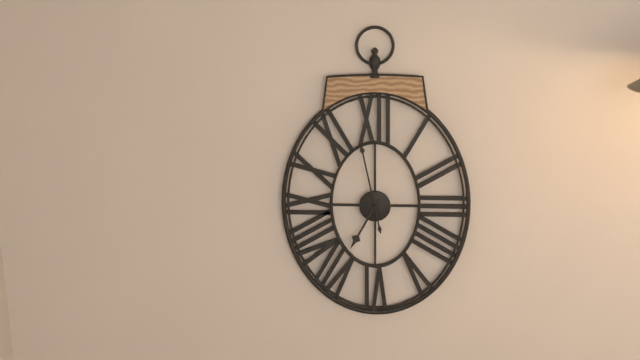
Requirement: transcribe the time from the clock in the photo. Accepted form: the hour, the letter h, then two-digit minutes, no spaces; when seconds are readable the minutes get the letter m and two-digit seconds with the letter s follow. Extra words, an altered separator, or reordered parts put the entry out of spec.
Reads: 6h58
